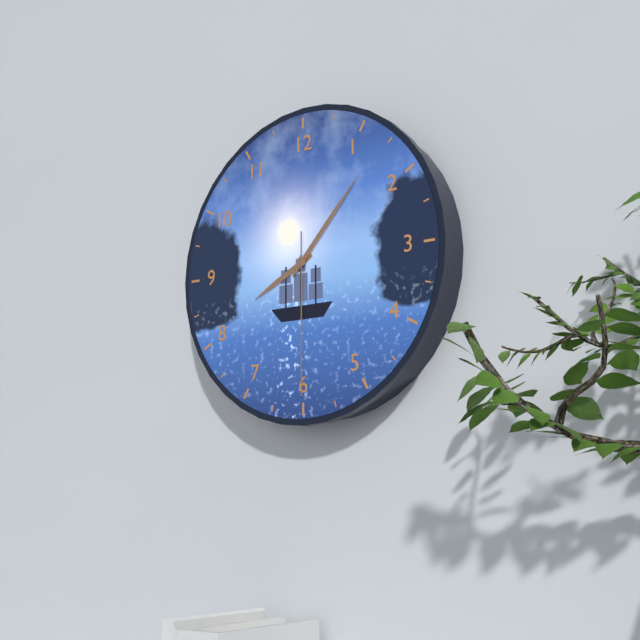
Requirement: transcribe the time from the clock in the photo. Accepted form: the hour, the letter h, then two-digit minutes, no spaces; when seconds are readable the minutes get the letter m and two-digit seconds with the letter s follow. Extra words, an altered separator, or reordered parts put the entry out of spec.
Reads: 8h07m30s
